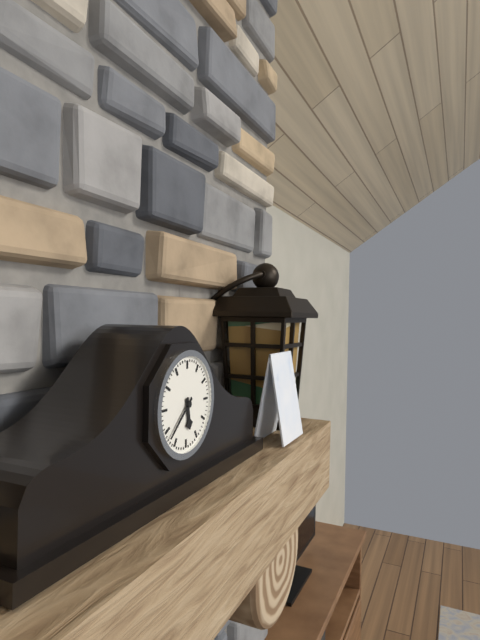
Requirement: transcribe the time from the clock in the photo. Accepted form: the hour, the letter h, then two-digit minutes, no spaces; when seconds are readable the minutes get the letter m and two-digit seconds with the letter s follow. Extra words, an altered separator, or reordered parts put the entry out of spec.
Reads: 5h38
